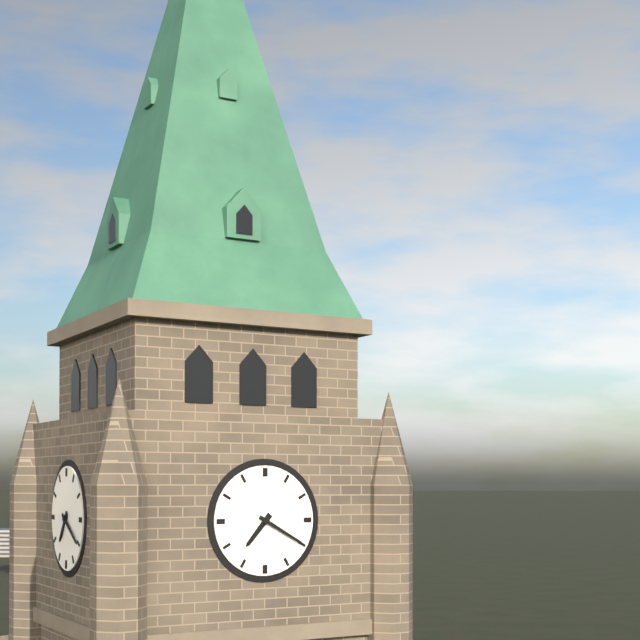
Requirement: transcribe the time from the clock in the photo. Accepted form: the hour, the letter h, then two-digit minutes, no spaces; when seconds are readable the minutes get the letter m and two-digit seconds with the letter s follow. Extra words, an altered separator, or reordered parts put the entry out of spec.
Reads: 7h20
